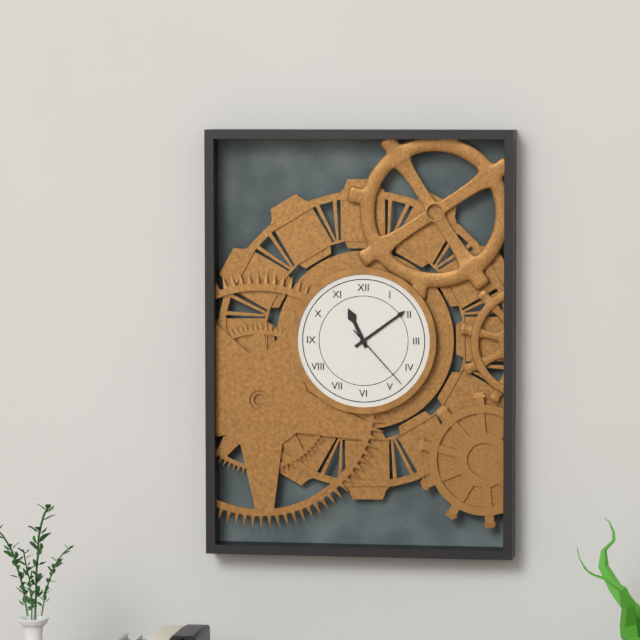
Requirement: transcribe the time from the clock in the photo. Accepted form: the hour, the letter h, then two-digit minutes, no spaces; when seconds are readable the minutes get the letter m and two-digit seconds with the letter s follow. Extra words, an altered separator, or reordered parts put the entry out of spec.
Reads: 11h09m23s
